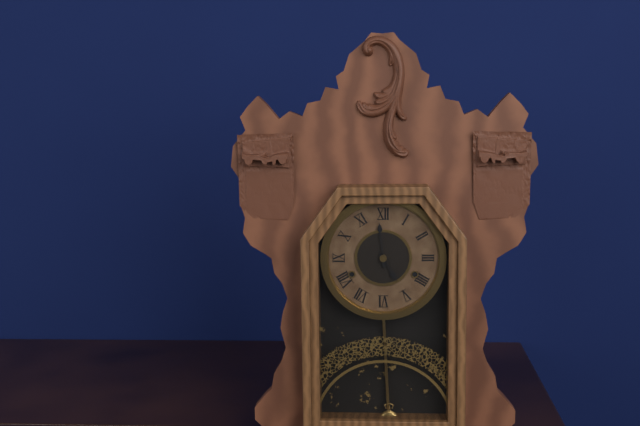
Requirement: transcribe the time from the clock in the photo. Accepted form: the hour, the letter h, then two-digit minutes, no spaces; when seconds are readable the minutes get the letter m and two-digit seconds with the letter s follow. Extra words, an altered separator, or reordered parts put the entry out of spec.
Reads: 4h59
